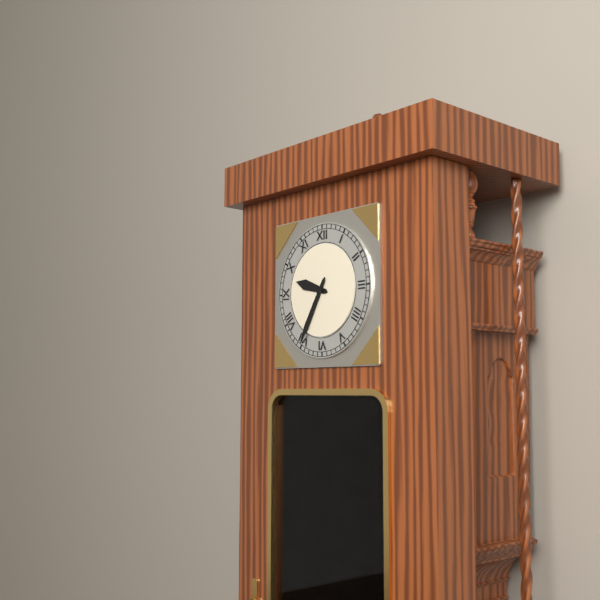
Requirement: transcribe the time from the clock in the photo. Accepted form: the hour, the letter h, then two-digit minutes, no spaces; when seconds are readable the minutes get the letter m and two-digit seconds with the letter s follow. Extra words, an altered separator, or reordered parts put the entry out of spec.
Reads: 9h35
